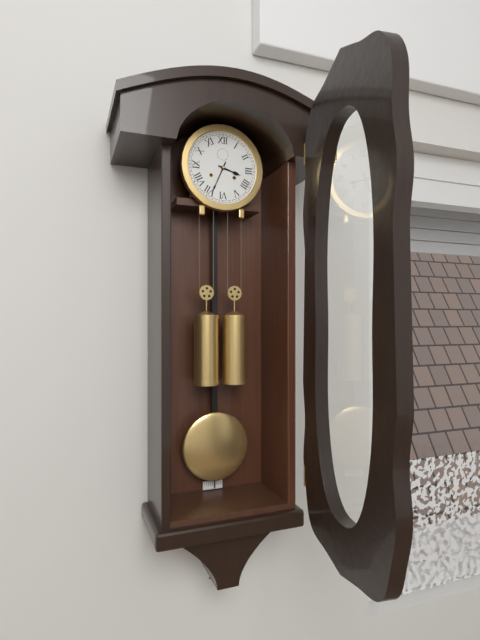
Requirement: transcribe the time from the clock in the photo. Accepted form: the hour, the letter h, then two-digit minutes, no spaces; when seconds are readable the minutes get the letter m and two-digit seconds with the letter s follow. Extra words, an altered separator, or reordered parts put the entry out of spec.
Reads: 3h34
